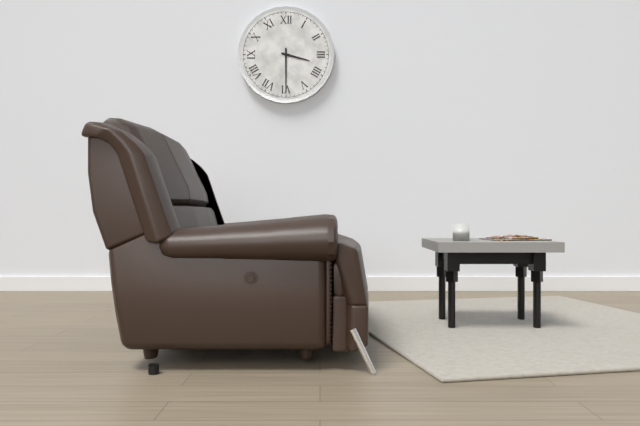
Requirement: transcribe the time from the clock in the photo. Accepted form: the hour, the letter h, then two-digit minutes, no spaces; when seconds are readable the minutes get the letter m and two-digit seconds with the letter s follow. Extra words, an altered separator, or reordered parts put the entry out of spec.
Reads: 3h30
